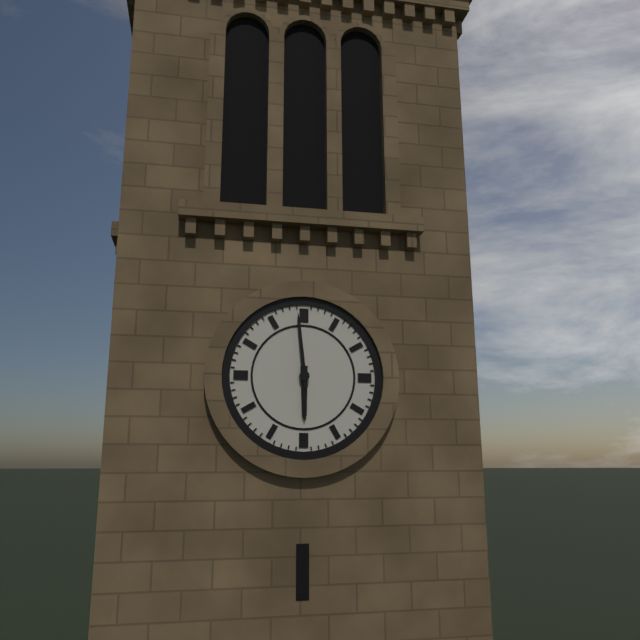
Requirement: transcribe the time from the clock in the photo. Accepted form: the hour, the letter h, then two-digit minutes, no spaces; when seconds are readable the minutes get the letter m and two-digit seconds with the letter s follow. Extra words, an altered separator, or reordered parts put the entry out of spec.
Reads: 5h59
